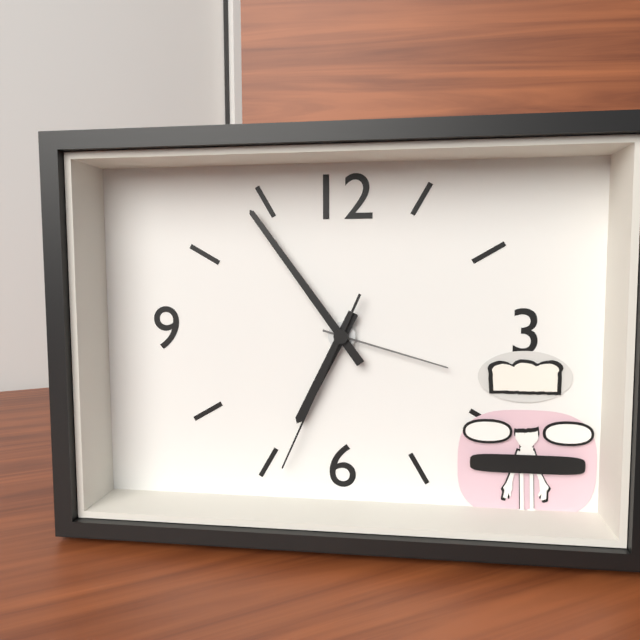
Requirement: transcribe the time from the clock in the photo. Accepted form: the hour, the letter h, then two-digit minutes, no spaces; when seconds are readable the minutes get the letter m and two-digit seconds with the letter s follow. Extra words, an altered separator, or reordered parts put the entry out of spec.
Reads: 6h54m34s
